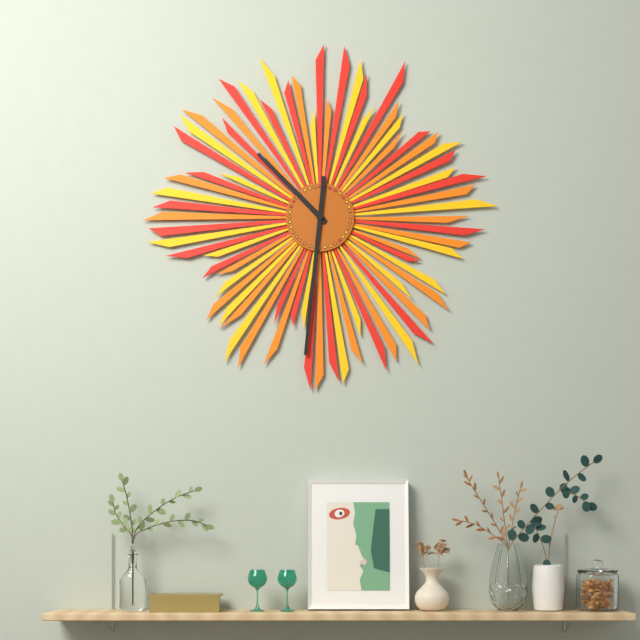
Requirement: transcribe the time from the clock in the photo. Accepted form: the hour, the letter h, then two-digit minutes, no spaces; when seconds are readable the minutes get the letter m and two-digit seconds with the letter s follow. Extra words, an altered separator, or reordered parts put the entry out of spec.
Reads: 10h31
